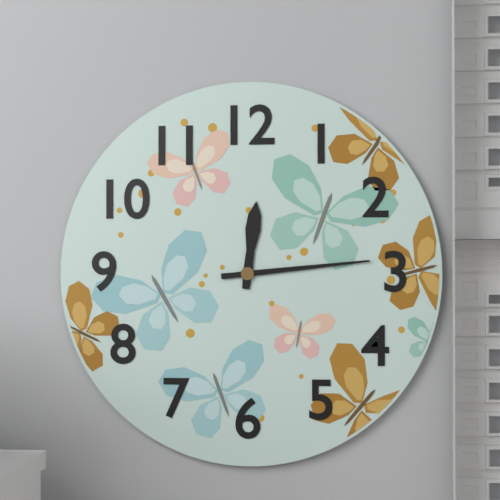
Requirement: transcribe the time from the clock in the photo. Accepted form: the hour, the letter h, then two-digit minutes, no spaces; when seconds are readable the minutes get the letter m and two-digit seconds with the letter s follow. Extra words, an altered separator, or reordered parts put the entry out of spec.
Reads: 12h14
